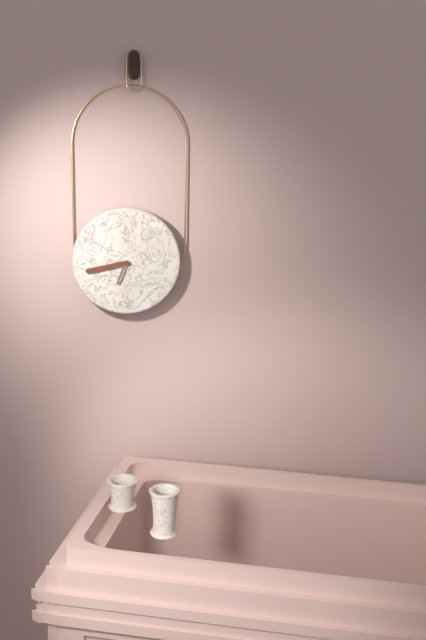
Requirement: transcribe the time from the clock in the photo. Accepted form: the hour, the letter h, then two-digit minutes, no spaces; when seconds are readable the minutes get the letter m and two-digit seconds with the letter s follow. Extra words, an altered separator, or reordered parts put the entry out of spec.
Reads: 6h43
